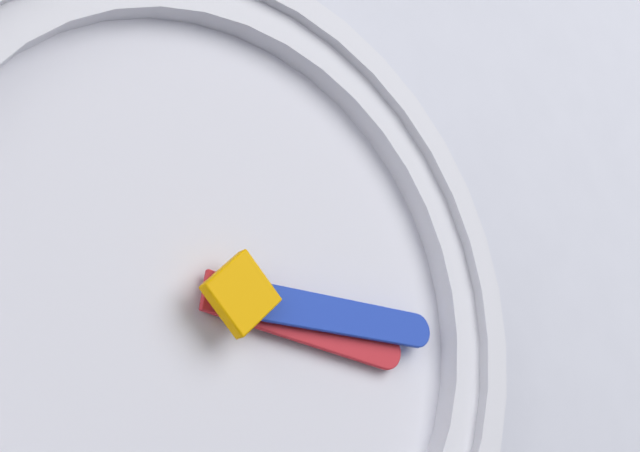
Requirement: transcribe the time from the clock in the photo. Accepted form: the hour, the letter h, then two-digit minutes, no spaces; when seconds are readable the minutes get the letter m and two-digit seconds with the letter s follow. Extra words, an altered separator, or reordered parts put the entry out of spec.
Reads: 3h15
